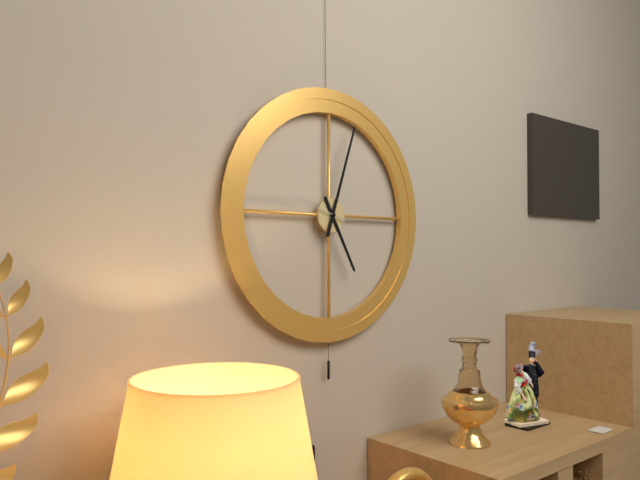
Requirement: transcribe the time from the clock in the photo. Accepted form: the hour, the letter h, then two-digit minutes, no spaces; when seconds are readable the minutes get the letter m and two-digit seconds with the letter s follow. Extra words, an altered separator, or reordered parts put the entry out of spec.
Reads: 5h03m48s
